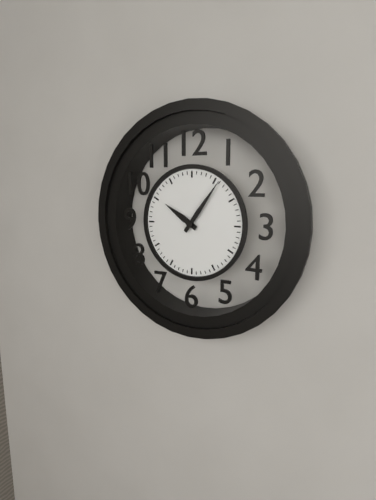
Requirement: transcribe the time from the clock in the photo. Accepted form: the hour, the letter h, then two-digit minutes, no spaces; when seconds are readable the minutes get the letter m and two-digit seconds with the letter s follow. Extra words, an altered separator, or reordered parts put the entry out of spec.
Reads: 10h06
